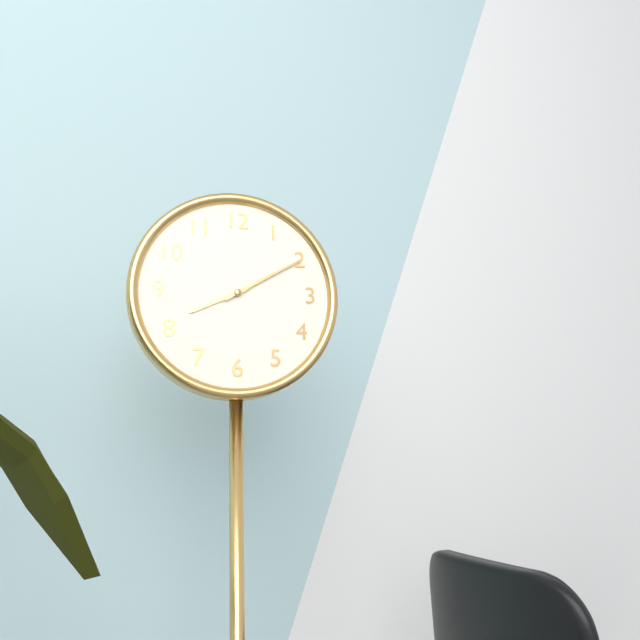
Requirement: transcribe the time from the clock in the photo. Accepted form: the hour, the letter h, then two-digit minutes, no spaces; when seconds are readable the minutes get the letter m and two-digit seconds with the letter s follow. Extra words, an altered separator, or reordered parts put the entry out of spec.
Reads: 8h10
